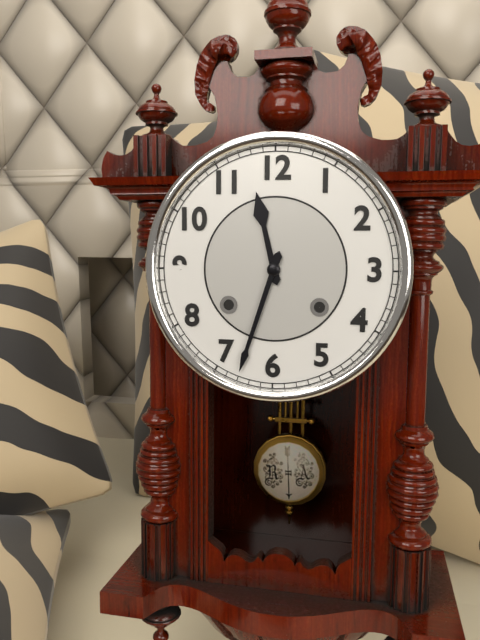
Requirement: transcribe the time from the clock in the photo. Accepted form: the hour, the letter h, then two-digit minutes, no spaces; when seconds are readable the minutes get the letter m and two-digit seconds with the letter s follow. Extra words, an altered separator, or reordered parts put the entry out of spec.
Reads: 11h33
